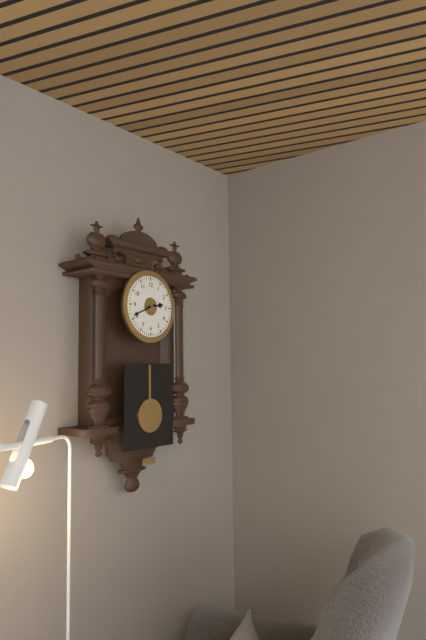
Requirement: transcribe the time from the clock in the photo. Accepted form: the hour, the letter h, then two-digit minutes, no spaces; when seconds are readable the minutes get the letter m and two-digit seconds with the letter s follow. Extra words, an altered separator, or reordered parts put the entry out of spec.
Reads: 2h41
